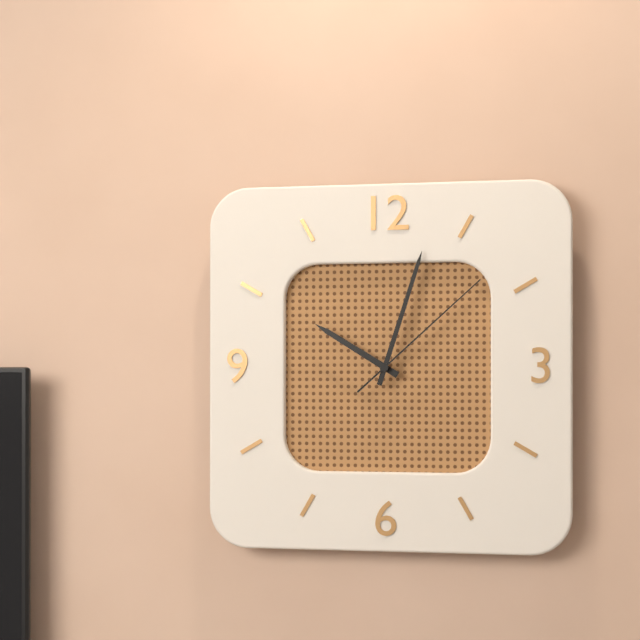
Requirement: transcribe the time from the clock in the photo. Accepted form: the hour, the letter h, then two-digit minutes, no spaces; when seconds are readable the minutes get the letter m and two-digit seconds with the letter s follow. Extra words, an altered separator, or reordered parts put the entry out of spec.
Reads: 10h03m08s
